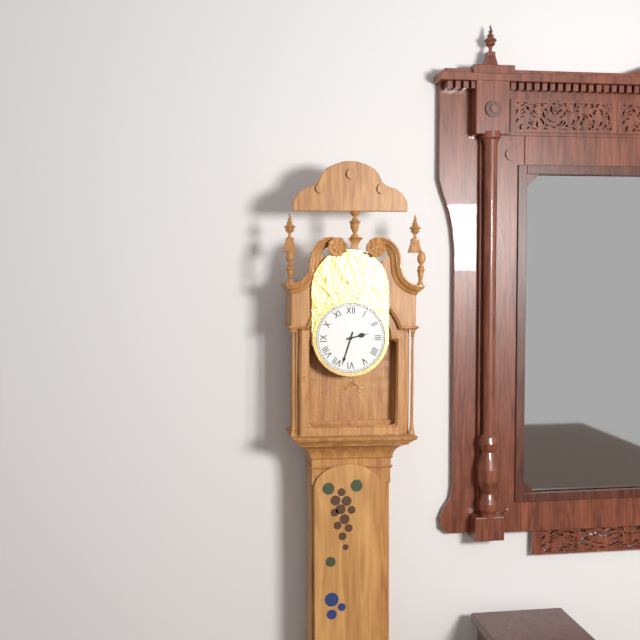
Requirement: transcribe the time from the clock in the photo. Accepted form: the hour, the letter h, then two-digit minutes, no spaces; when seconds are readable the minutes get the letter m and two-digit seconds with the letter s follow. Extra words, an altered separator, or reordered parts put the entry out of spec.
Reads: 2h33
